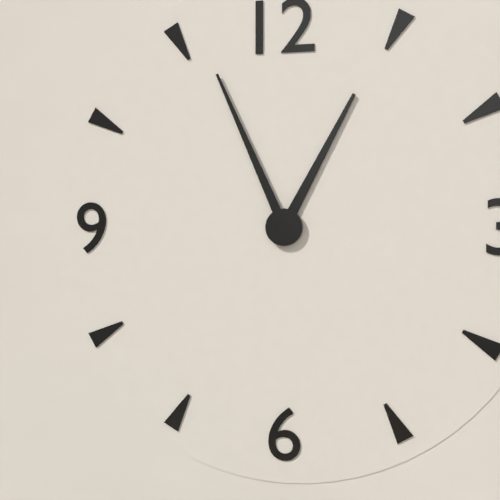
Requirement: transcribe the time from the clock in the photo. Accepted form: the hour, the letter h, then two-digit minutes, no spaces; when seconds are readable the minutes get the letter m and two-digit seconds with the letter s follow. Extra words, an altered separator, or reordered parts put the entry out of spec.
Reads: 12h56
